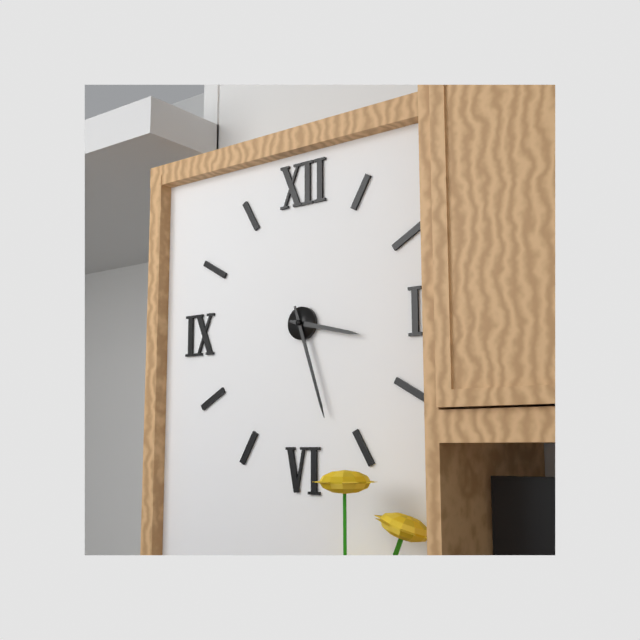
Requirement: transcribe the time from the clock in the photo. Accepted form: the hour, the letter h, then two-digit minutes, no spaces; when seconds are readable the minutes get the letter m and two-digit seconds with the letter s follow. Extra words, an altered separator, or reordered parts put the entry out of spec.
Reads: 3h27
